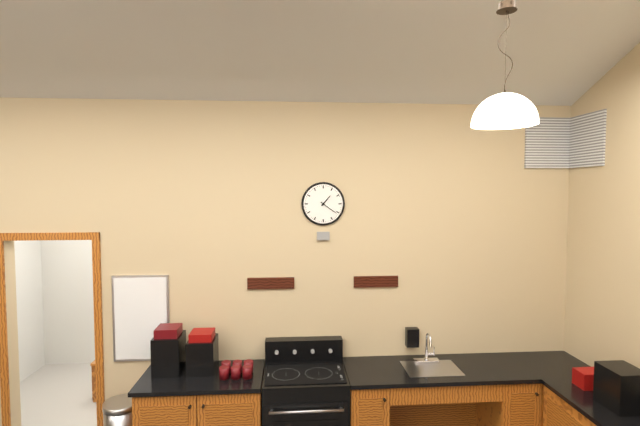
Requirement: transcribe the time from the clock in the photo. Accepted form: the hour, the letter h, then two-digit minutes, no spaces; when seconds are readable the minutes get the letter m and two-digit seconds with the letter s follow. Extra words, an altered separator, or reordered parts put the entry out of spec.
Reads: 1h21
